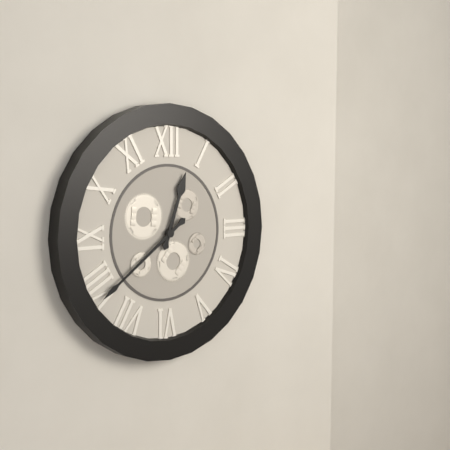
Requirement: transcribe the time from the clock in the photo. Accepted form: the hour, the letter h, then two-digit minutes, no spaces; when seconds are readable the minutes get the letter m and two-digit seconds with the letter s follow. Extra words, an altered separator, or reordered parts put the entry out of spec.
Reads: 12h39
